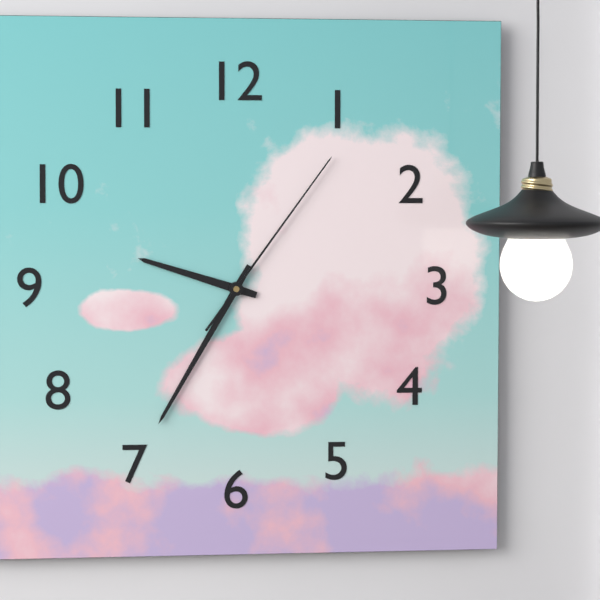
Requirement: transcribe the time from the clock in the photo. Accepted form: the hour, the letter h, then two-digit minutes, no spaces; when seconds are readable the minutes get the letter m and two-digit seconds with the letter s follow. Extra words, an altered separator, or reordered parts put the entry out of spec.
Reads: 9h35m06s
